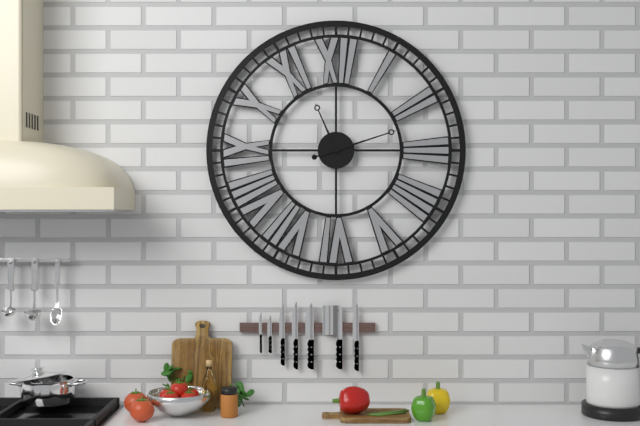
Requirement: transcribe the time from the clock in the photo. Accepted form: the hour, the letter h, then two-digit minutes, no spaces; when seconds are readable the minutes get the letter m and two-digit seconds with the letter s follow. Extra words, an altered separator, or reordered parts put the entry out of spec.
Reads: 11h12
